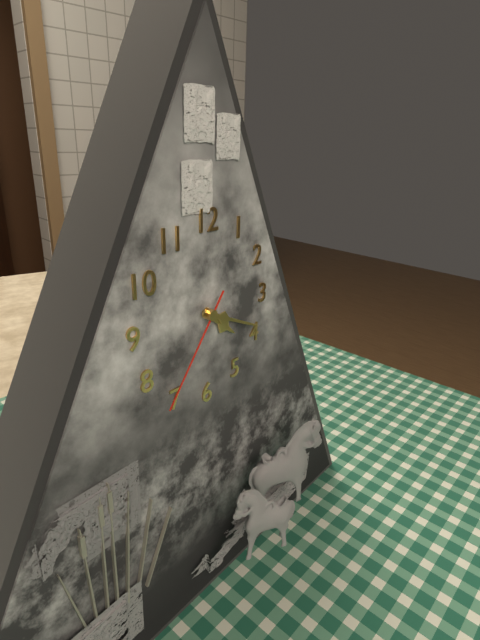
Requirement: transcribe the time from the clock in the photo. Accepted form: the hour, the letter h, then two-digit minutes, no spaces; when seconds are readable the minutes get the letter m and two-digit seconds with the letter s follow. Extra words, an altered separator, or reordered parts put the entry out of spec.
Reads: 4h19m36s
